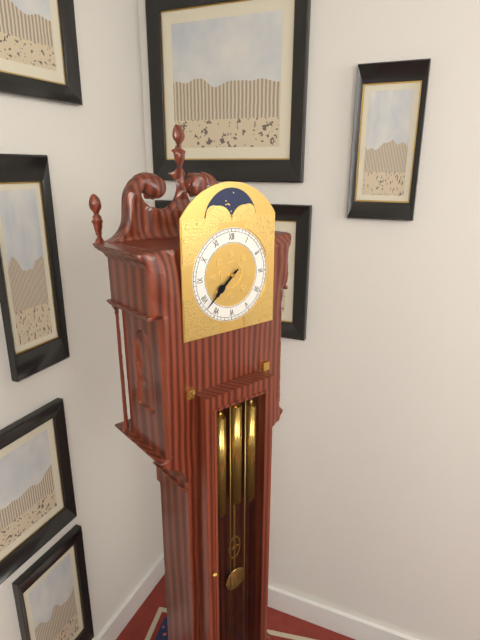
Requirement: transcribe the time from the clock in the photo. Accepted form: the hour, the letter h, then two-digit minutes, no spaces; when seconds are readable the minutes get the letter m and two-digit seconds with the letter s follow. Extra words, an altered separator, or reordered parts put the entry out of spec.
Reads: 7h38
